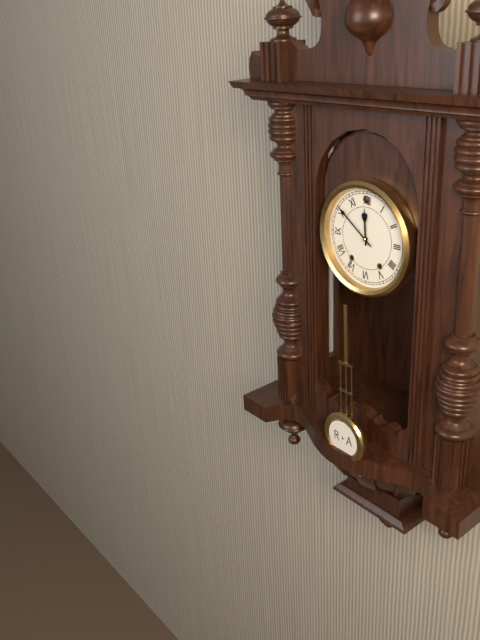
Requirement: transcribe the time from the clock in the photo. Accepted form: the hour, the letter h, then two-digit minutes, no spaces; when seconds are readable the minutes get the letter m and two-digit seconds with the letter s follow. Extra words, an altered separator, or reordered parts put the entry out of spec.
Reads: 11h51
